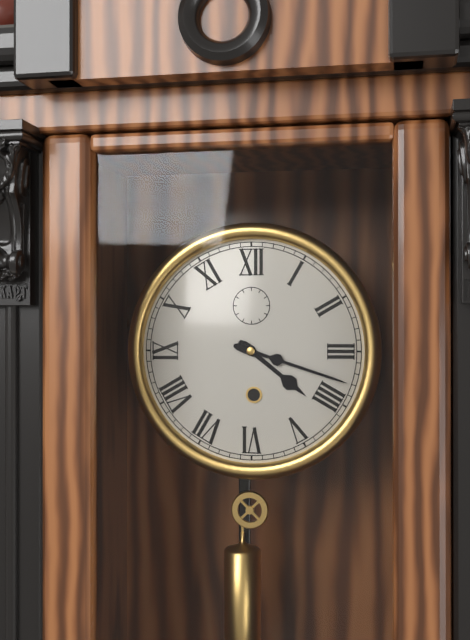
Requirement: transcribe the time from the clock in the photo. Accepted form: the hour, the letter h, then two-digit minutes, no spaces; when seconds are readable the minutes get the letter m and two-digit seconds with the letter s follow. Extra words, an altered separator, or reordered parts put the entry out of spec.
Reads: 4h18
